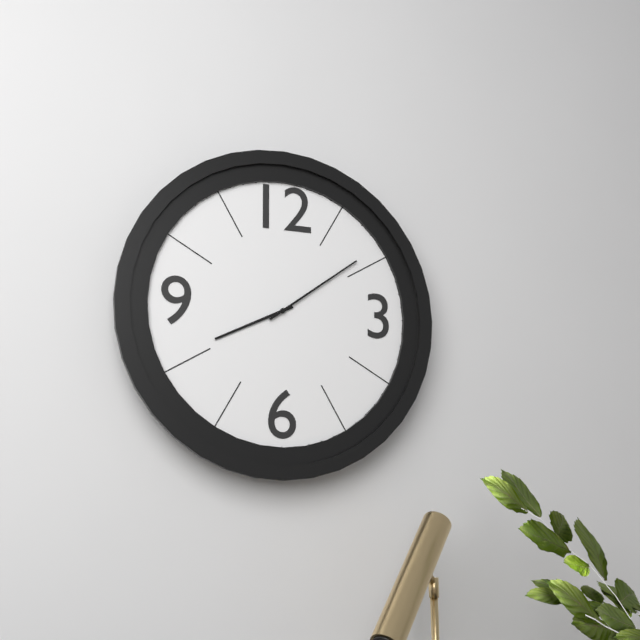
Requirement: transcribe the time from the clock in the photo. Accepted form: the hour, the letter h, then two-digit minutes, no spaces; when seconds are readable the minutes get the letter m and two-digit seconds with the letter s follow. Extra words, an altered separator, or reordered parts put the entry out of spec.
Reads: 8h09
